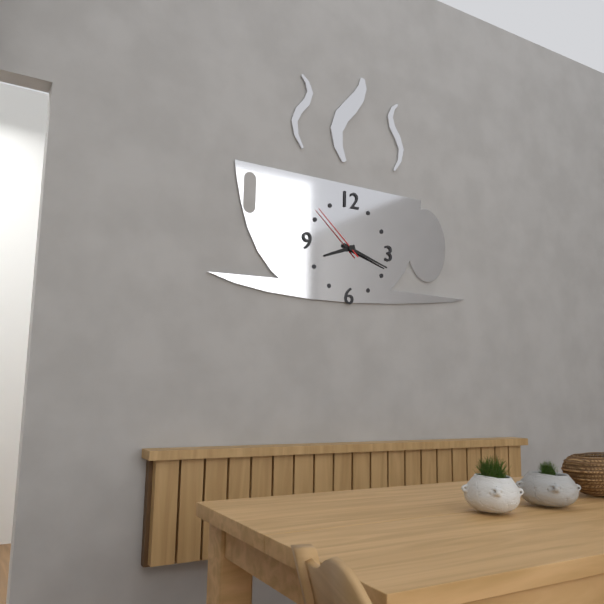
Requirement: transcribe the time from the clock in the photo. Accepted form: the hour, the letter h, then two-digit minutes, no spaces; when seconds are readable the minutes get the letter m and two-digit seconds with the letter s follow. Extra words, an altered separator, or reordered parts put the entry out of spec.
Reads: 8h18m52s
